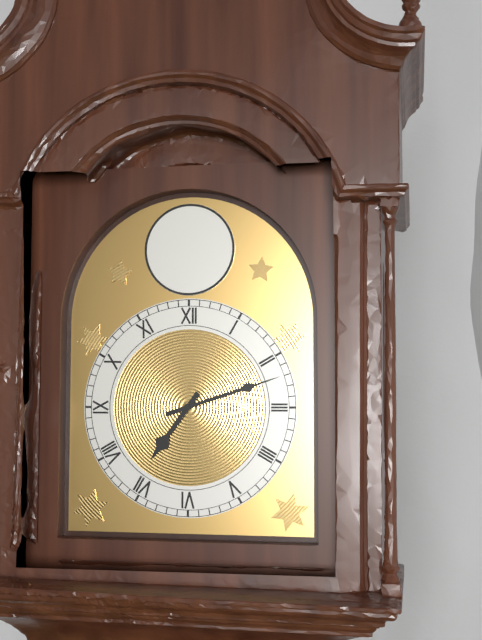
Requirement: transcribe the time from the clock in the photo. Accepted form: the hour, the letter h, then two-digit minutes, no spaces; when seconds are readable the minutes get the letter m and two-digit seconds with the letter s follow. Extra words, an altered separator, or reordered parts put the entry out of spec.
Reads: 7h12
